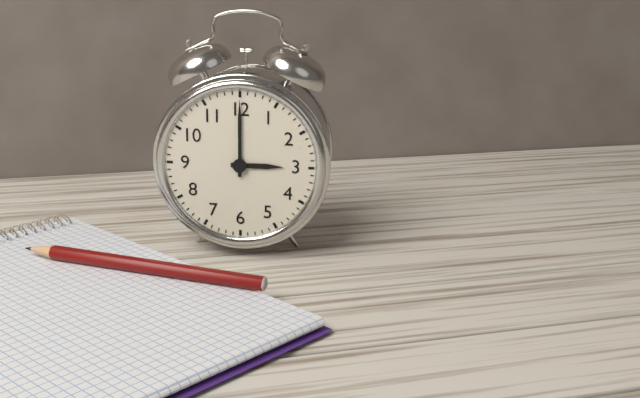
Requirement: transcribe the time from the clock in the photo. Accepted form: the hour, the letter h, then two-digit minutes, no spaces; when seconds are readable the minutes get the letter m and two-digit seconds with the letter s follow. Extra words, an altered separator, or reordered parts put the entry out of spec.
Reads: 3h00
